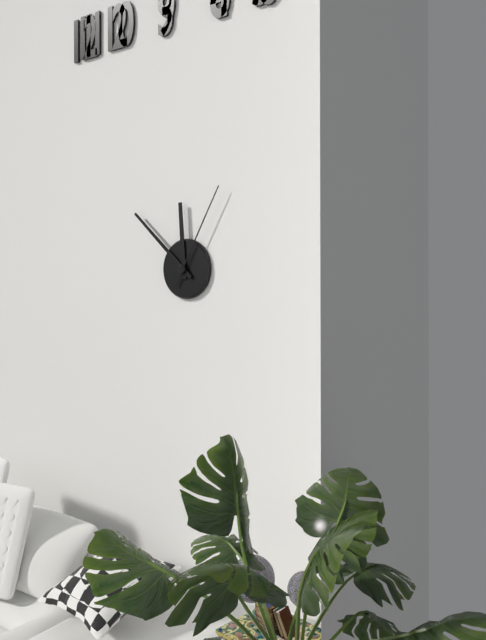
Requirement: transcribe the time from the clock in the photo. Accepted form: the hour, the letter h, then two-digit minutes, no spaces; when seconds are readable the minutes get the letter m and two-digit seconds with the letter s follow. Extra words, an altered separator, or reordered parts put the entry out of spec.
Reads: 11h52m05s
